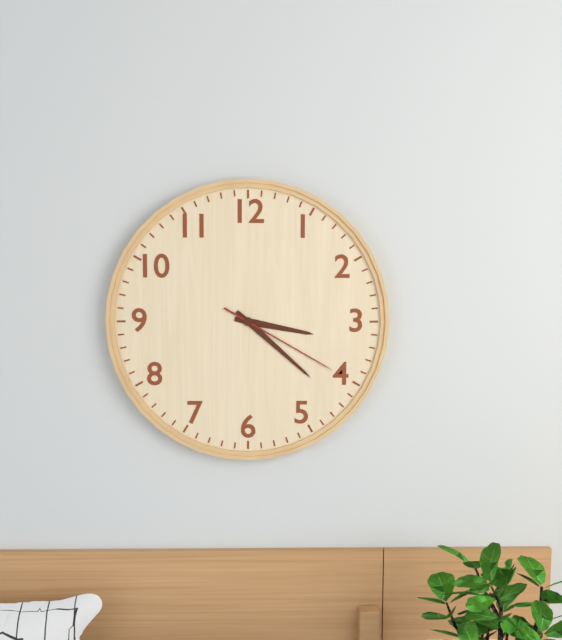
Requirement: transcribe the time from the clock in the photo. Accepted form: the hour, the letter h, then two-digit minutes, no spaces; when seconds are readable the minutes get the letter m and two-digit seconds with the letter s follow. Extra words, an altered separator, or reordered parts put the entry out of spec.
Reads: 3h22m20s
